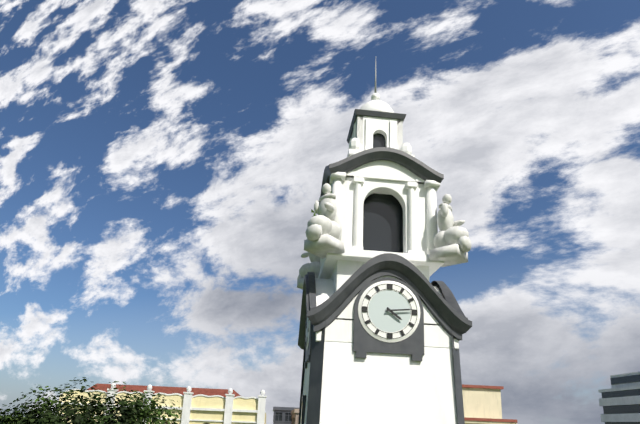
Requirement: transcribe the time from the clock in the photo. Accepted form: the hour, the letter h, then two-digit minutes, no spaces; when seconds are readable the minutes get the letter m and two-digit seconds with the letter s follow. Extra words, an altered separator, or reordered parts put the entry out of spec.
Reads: 4h14
